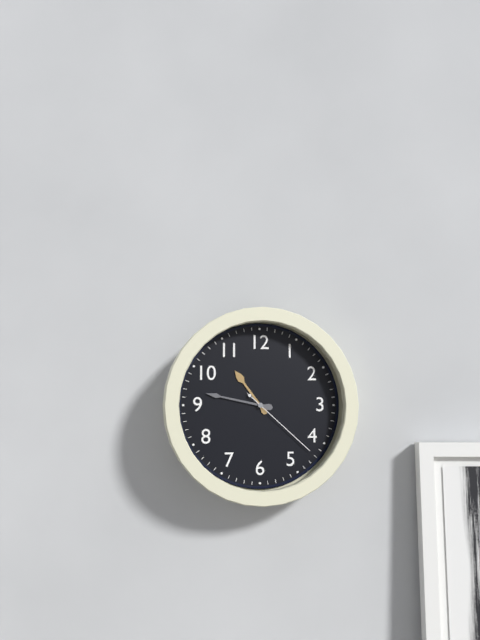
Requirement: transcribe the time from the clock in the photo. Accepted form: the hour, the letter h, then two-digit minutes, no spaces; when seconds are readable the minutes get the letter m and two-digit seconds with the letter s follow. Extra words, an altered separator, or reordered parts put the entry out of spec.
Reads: 10h47m22s
